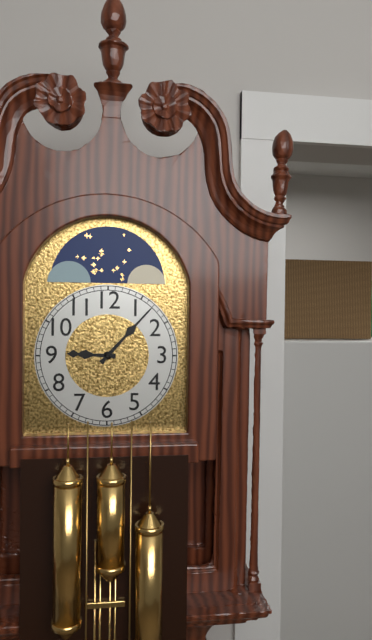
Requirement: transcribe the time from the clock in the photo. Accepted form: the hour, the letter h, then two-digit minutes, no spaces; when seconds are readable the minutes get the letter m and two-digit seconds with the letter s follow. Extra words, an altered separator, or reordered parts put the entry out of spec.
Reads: 9h07
